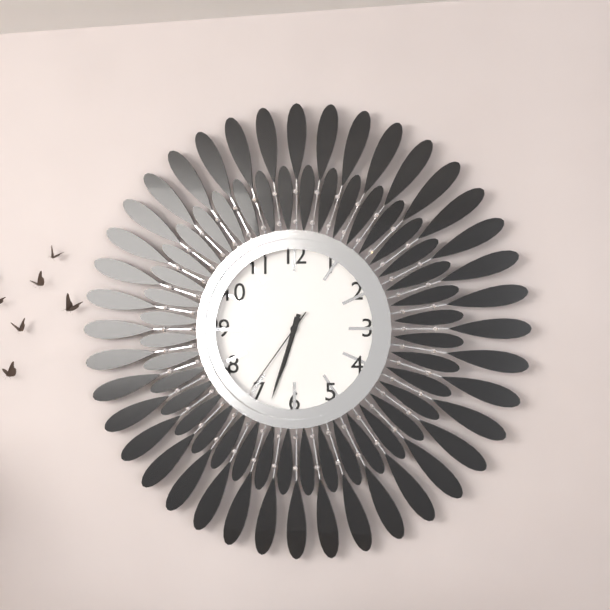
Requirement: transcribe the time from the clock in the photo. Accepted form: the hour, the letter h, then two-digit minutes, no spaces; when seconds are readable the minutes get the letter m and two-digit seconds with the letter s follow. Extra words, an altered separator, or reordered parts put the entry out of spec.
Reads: 6h33m36s
